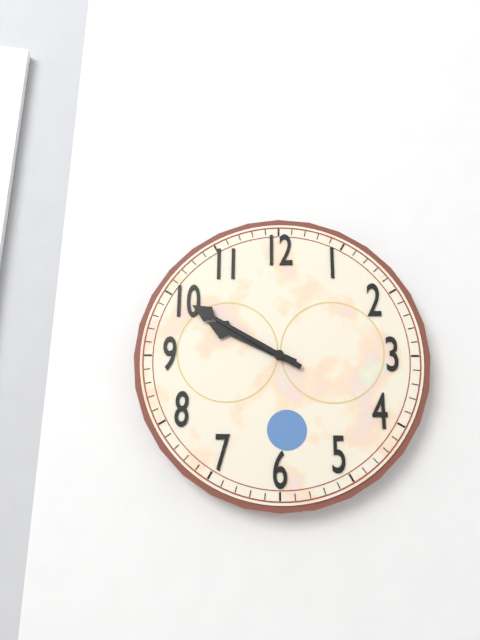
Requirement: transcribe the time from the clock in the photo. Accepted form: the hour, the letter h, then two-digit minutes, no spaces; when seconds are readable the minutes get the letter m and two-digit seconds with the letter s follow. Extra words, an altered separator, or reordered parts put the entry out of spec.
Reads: 9h50
